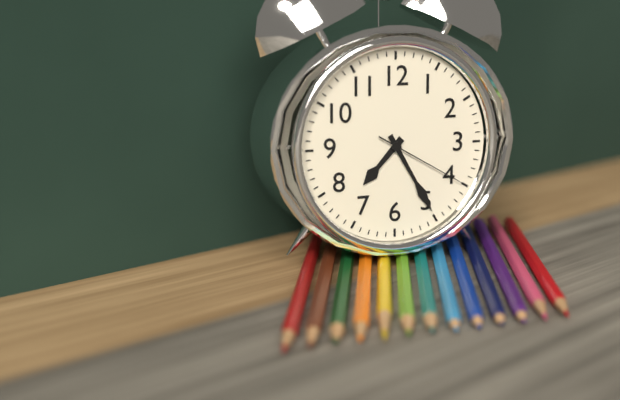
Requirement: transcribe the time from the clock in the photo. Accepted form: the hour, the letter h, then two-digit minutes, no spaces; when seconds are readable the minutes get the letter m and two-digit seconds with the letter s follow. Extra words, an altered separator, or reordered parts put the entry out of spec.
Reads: 7h25m20s
